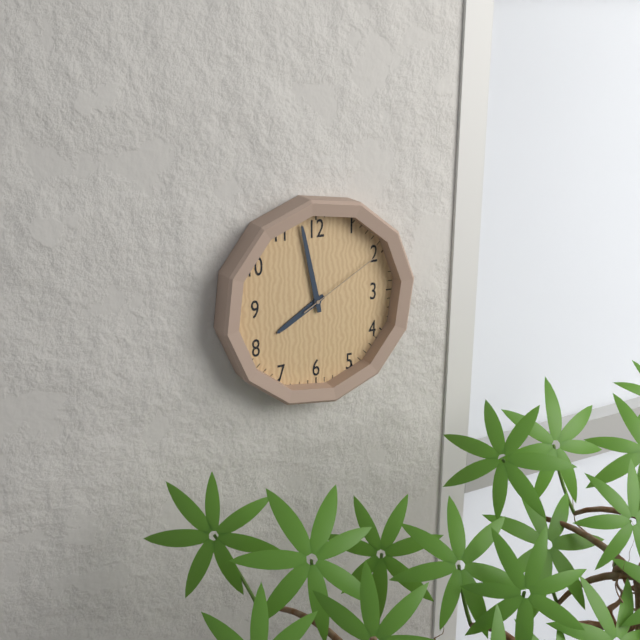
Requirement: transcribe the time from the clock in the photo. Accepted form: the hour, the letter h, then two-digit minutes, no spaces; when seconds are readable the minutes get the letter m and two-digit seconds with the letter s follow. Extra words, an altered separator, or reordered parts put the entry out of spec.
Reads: 7h58m10s
